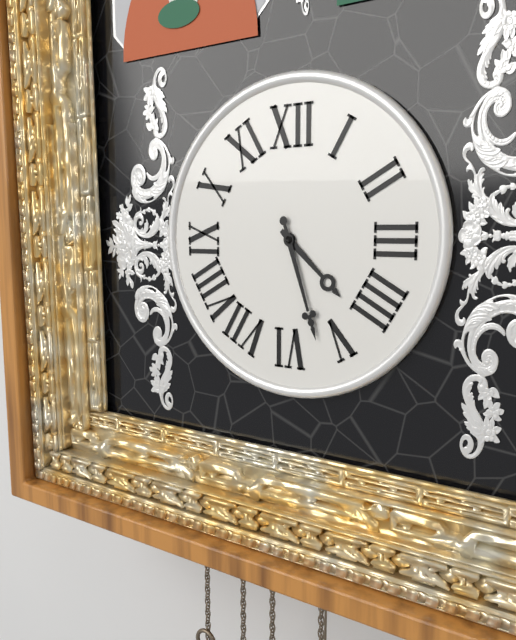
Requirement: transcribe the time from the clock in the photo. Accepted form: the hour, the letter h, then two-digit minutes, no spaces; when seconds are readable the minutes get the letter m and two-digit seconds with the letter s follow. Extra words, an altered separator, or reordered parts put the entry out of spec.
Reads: 4h27
